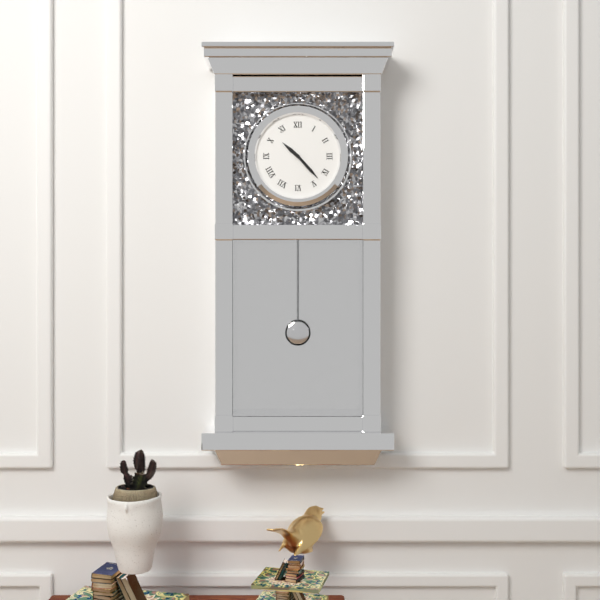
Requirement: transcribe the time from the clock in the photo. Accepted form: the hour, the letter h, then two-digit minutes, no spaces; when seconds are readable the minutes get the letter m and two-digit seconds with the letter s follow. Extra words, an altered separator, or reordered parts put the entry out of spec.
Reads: 10h23
